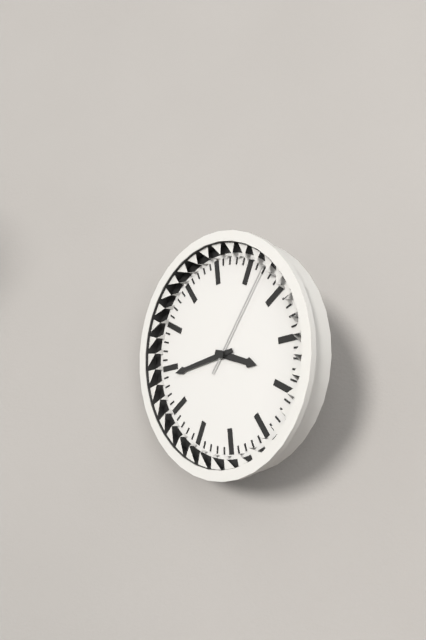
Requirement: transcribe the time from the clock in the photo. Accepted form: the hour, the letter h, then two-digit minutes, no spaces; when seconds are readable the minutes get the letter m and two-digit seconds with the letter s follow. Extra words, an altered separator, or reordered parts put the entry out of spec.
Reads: 3h44m07s
